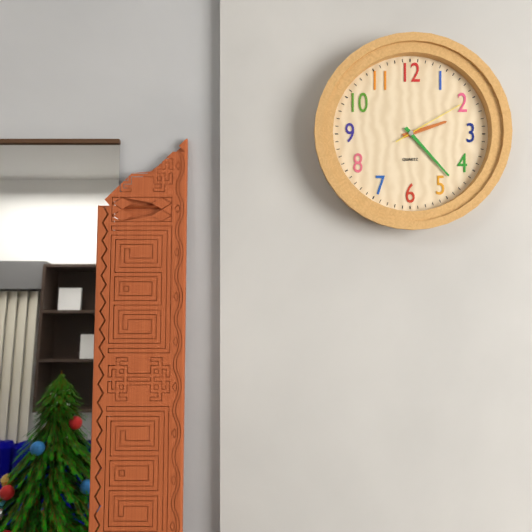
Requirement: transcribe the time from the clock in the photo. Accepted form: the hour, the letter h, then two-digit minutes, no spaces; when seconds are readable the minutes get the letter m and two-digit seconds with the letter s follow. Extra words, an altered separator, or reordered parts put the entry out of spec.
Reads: 2h23m10s
